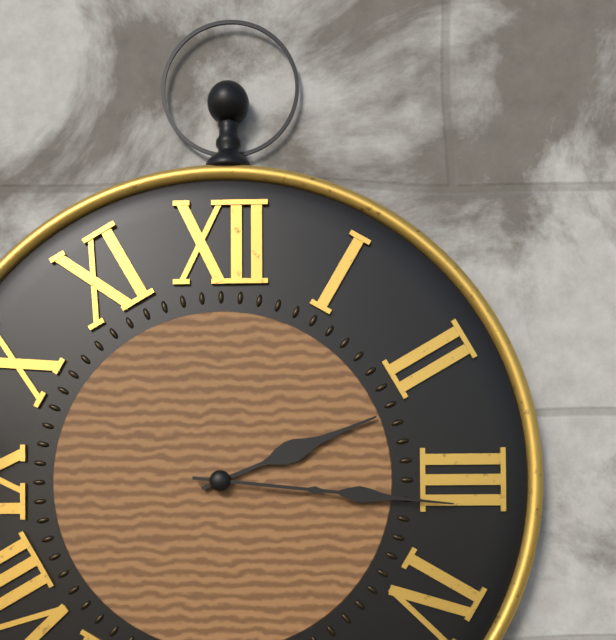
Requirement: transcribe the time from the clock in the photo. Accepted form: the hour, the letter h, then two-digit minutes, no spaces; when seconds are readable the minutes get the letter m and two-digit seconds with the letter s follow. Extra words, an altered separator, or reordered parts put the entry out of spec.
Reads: 2h16
